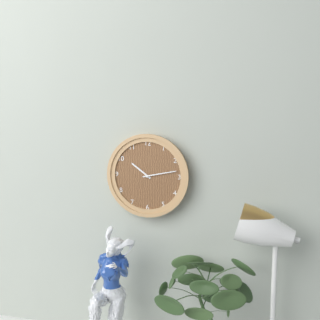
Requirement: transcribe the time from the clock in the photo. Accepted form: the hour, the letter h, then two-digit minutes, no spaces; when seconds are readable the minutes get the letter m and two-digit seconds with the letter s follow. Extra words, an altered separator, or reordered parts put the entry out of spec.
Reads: 10h13
